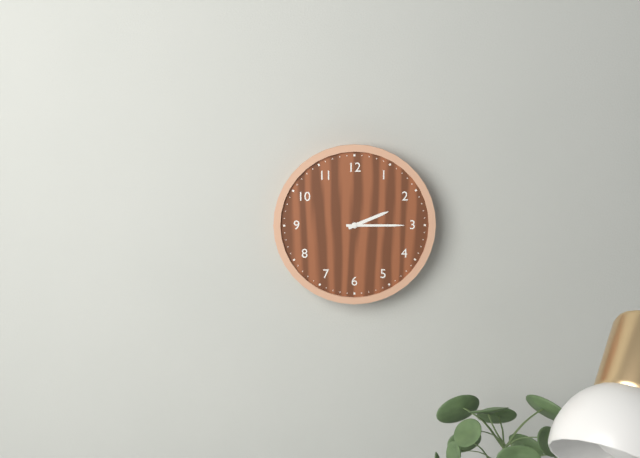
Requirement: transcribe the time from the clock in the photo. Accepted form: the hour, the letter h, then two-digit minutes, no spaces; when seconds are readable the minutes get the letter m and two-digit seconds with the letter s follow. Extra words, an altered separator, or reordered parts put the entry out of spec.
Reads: 2h15
